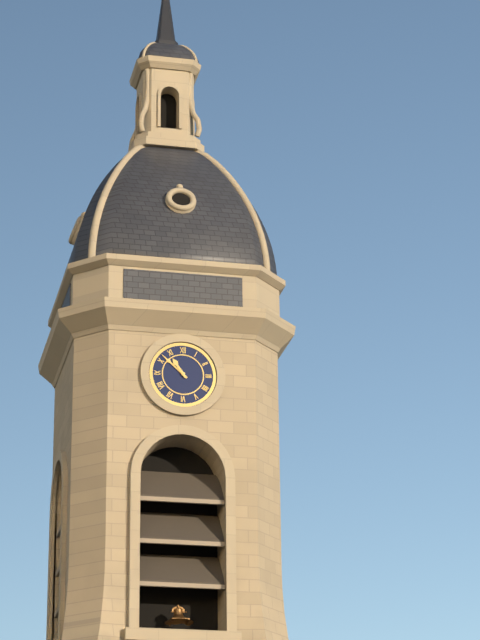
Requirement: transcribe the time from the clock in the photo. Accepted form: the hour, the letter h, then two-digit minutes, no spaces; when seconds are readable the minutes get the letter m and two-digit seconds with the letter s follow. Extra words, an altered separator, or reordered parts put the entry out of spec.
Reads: 10h52
